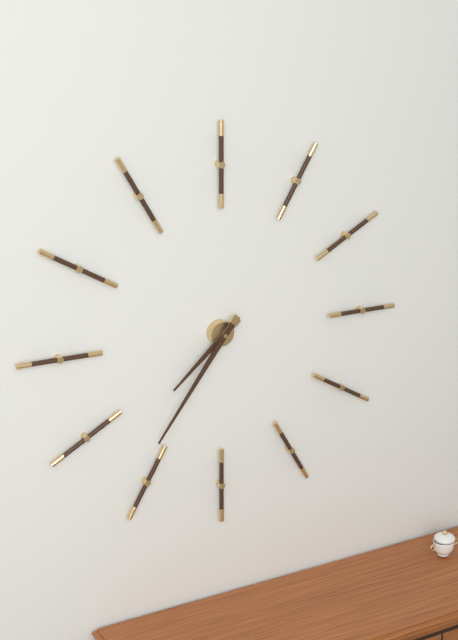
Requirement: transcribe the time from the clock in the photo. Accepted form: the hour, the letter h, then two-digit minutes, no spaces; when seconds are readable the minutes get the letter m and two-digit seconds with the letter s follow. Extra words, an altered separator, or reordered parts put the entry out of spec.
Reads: 7h36
